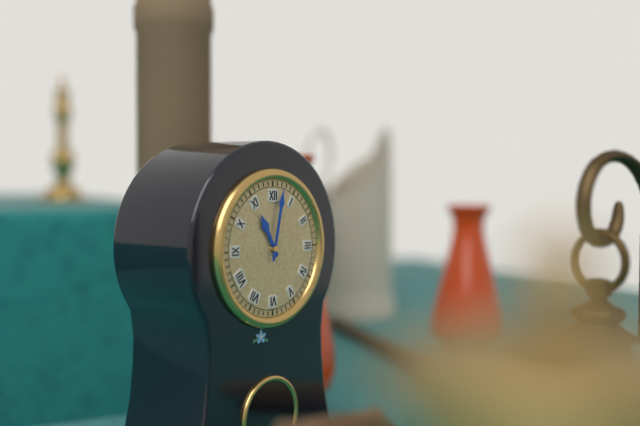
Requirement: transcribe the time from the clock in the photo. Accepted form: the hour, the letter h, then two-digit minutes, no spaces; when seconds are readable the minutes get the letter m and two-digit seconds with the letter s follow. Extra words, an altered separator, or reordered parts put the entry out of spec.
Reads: 11h02
